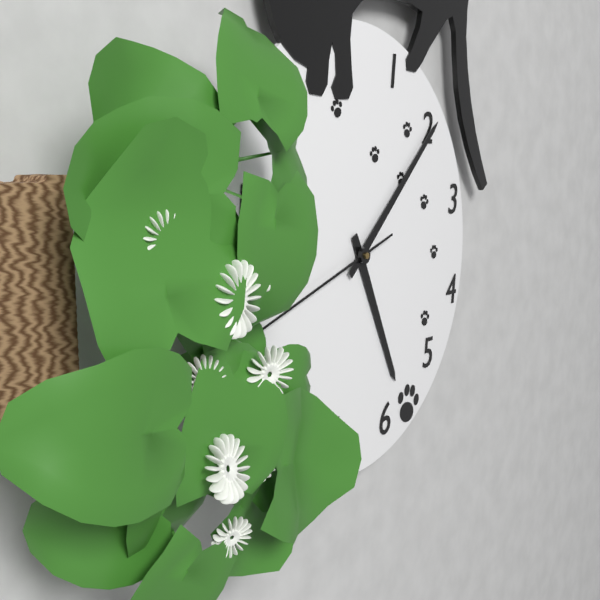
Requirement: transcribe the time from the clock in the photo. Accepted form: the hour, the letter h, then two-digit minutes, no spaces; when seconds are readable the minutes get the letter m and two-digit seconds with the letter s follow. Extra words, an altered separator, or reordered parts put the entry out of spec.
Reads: 5h08m42s
